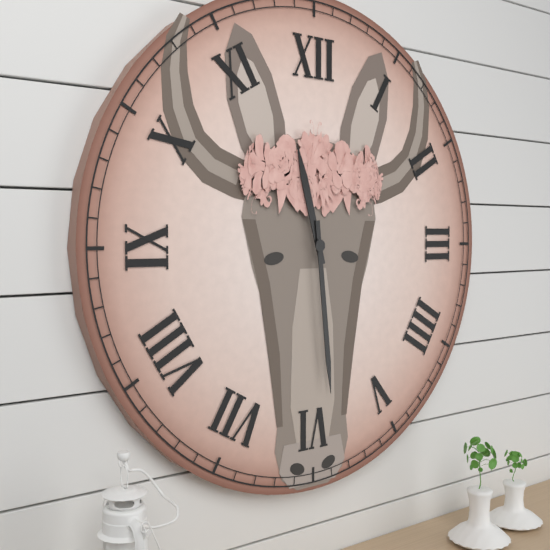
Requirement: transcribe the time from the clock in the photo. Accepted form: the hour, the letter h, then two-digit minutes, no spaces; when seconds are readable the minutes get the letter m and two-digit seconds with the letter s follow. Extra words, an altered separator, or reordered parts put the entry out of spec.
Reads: 11h29
